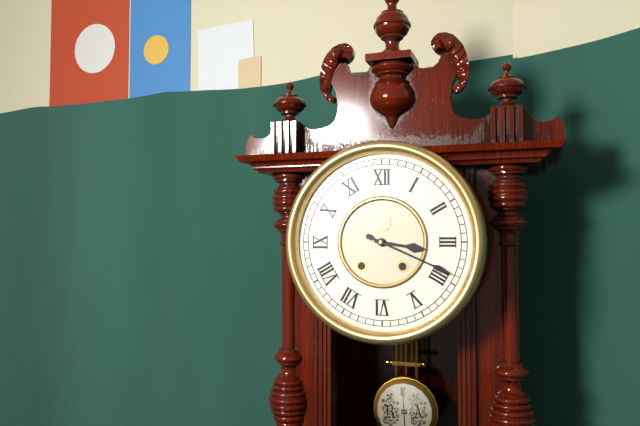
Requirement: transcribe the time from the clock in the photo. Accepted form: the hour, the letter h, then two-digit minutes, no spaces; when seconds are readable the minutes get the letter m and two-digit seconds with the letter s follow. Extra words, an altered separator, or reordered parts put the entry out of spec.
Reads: 3h19
